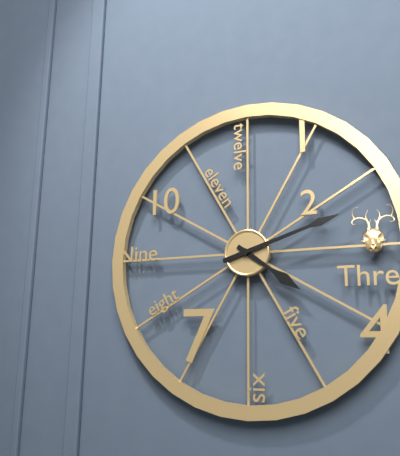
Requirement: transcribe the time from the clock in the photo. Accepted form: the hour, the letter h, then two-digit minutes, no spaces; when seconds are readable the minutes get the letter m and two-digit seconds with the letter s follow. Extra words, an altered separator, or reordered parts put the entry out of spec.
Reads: 4h12
